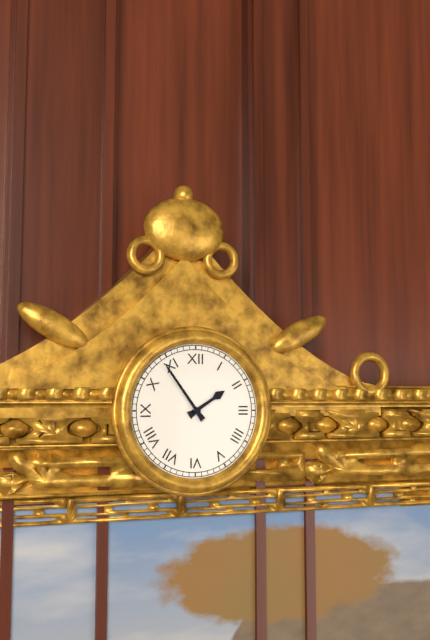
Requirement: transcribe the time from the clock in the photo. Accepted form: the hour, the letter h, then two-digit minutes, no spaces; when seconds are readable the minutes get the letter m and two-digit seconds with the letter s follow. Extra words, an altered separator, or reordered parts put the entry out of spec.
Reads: 1h54
